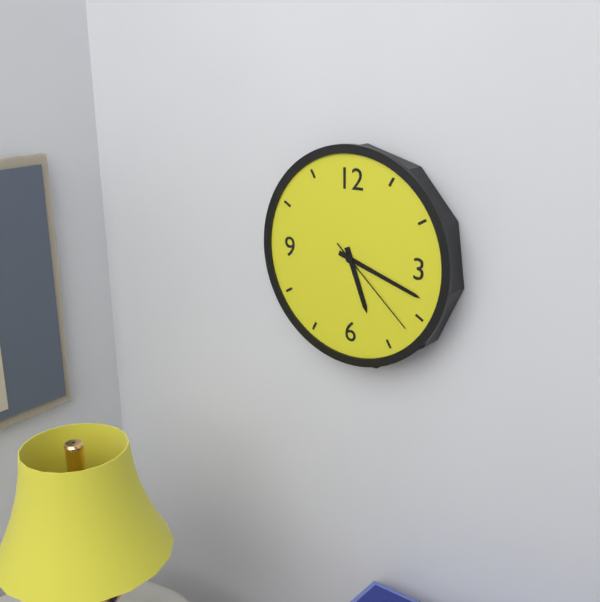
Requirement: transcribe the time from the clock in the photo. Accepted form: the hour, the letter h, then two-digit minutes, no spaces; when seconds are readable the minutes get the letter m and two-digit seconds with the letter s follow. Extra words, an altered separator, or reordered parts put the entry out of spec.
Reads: 5h18m22s
